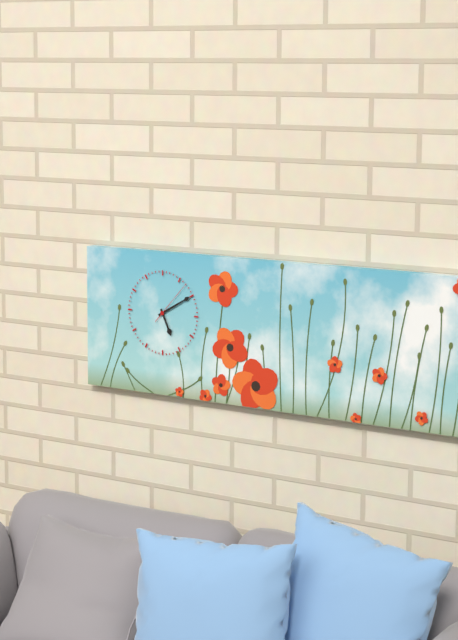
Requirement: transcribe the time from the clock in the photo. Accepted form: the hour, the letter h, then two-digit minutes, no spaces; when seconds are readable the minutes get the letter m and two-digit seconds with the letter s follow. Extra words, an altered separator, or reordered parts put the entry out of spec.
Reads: 5h10
